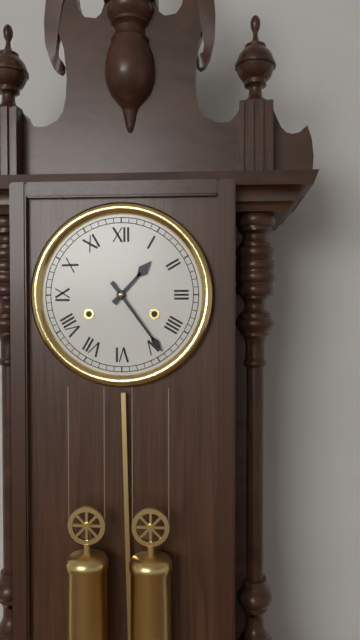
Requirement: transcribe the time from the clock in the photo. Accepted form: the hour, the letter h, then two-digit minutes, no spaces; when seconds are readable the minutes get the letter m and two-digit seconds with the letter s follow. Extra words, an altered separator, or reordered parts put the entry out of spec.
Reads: 1h24
